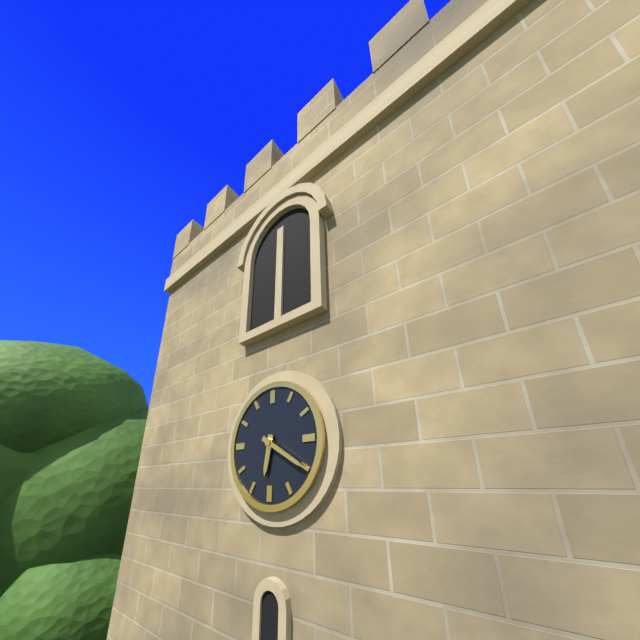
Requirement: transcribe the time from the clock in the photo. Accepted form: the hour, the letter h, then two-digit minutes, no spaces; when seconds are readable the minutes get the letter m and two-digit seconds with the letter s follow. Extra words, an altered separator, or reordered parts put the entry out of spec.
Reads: 6h20
